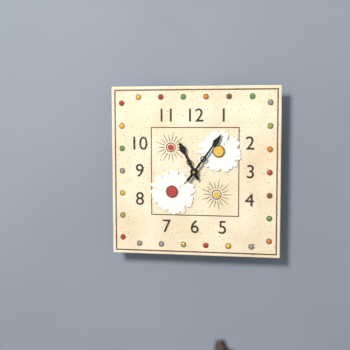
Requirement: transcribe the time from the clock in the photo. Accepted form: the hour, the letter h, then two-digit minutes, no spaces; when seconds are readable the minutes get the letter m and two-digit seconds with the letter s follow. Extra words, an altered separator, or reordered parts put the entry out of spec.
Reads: 11h06
